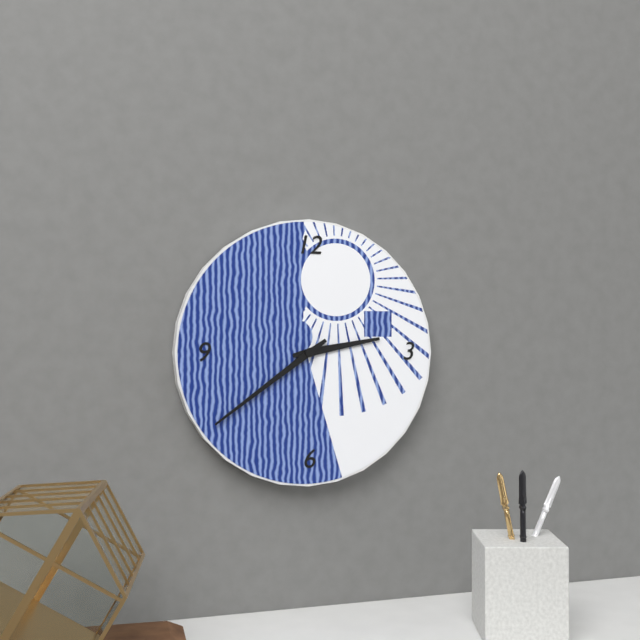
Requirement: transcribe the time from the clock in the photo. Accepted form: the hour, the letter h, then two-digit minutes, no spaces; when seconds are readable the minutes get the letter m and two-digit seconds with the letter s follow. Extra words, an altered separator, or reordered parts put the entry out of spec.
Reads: 2h39
